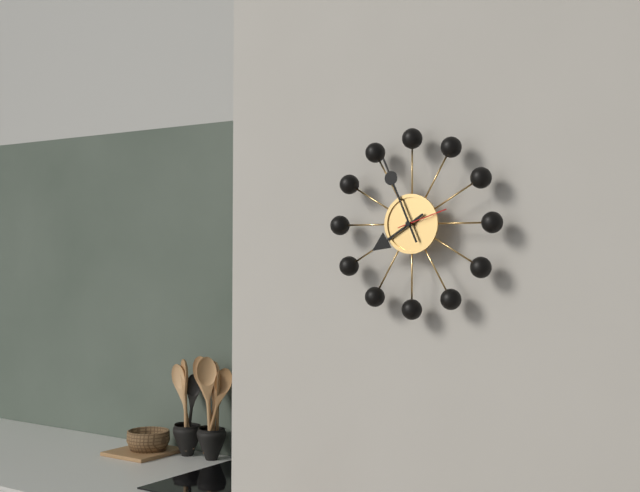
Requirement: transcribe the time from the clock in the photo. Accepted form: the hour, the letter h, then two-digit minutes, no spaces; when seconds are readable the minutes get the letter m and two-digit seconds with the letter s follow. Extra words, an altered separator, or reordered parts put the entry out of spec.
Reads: 7h56m12s
